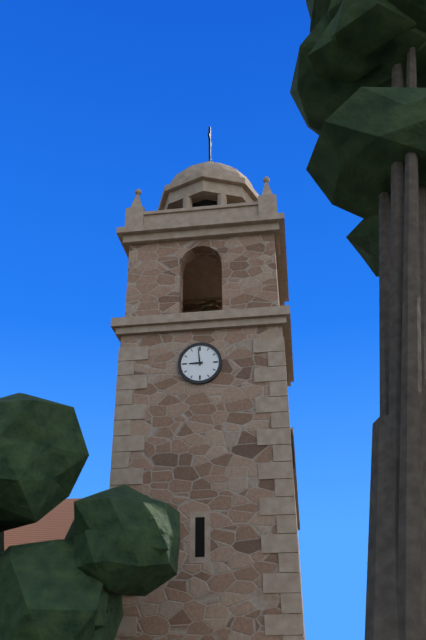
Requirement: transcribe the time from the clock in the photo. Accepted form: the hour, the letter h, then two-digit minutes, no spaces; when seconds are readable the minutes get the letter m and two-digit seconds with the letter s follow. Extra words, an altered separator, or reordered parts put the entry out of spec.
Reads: 8h59
